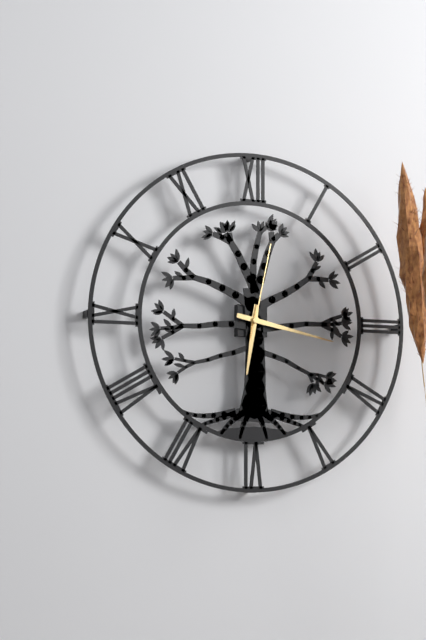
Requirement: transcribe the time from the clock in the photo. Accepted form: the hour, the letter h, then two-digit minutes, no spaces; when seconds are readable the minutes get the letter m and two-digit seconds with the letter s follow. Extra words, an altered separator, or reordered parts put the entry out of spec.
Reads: 6h17m02s
